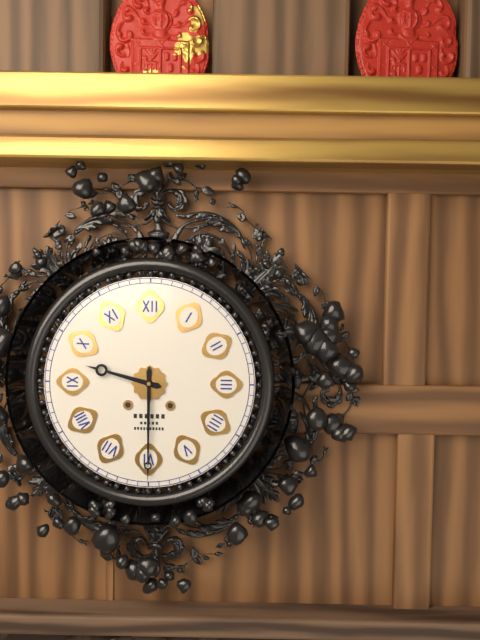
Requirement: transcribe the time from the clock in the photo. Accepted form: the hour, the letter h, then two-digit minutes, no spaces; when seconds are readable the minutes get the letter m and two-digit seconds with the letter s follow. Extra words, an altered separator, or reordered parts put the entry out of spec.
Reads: 9h30
